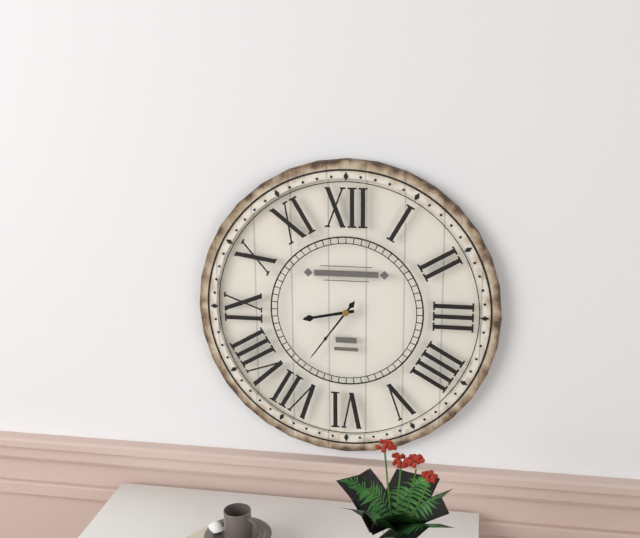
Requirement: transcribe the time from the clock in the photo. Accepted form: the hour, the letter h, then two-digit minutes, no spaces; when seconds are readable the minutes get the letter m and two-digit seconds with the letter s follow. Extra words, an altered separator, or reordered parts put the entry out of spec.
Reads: 8h36
